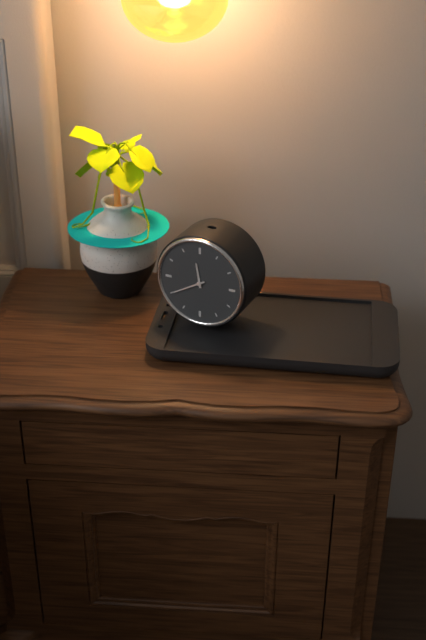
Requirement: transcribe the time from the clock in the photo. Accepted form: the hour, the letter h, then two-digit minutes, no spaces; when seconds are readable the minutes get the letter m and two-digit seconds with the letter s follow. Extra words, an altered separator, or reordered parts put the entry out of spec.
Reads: 11h40
